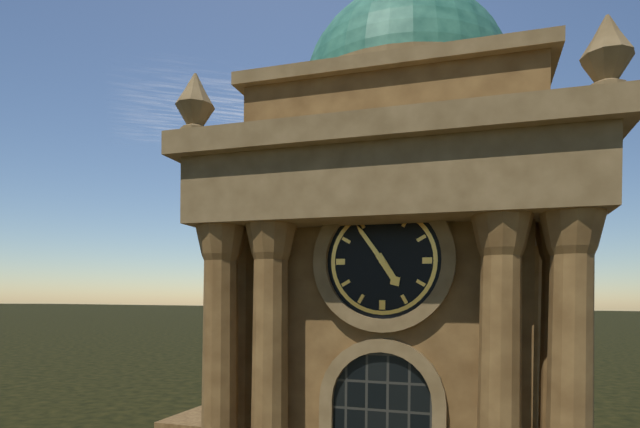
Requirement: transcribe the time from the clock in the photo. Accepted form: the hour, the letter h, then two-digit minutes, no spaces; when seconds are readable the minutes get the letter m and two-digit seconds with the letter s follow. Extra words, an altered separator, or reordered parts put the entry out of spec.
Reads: 4h54
